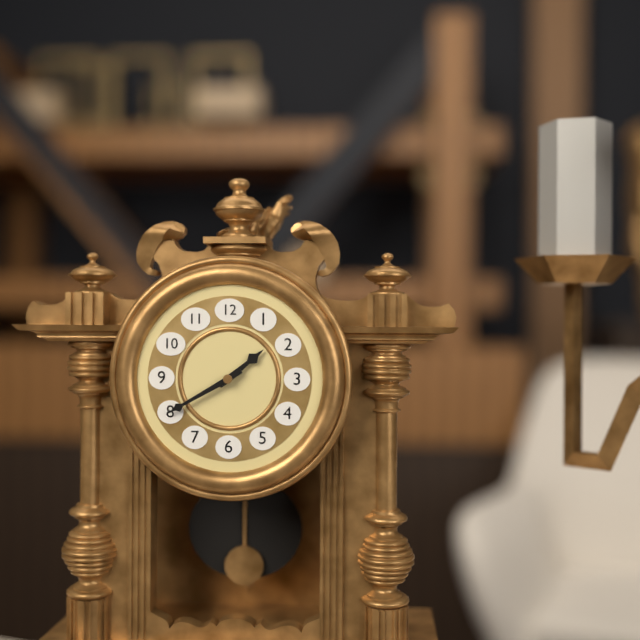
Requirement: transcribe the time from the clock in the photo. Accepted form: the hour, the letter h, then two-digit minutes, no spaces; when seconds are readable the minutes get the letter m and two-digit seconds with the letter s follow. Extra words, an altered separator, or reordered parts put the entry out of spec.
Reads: 1h40
